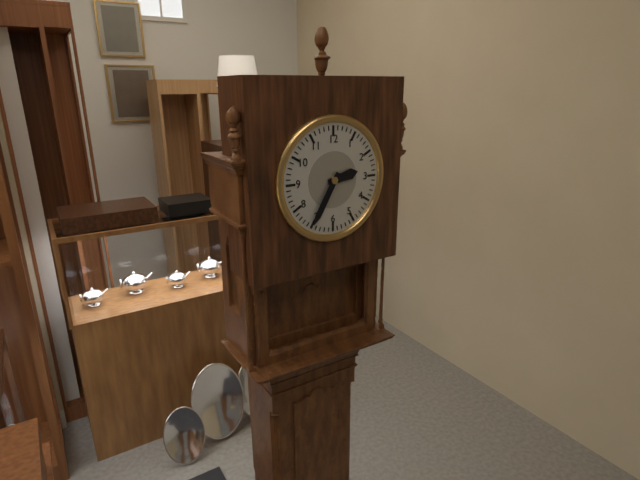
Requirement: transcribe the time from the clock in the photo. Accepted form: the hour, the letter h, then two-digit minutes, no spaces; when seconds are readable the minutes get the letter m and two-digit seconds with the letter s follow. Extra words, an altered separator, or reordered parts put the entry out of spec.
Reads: 2h35
